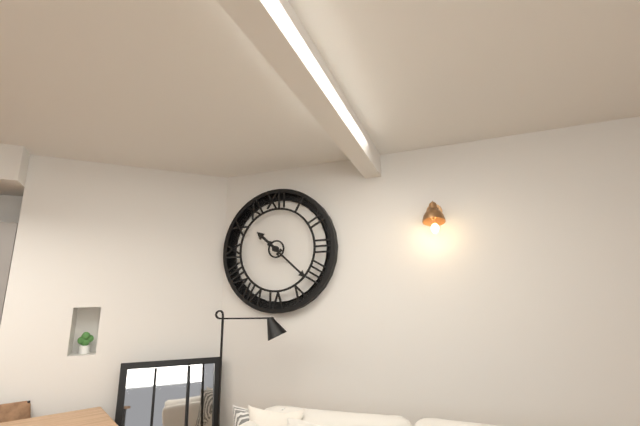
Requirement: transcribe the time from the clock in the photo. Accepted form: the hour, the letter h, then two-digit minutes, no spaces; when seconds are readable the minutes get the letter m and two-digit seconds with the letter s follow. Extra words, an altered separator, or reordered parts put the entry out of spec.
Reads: 10h22
